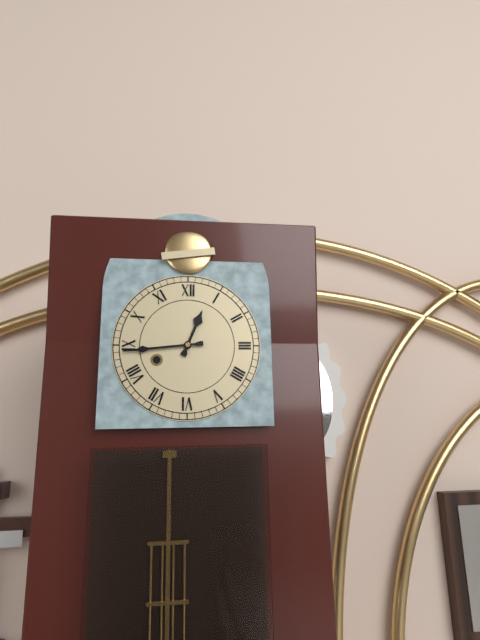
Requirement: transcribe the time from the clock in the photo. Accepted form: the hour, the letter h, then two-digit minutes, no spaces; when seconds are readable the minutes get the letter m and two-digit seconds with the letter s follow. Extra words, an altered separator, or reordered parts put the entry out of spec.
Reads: 12h44
